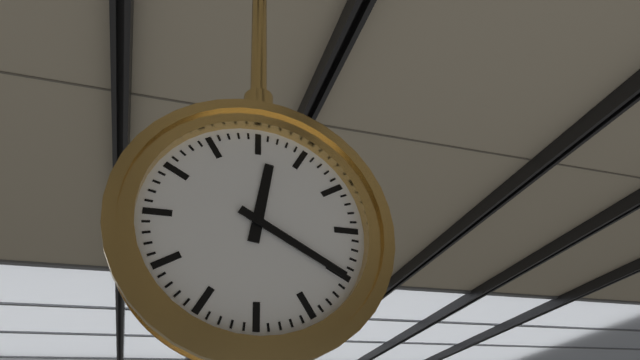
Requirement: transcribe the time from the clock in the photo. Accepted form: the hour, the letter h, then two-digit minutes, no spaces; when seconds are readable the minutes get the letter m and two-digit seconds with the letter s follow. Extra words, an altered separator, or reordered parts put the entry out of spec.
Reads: 12h20
